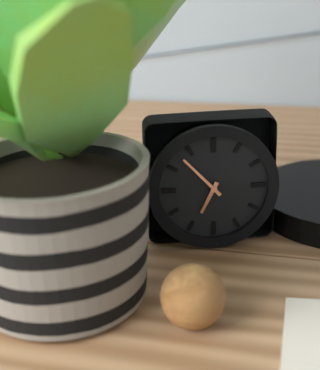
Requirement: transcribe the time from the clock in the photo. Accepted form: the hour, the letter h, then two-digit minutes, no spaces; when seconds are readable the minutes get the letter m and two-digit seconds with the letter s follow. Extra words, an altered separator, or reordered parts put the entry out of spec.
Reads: 6h53
